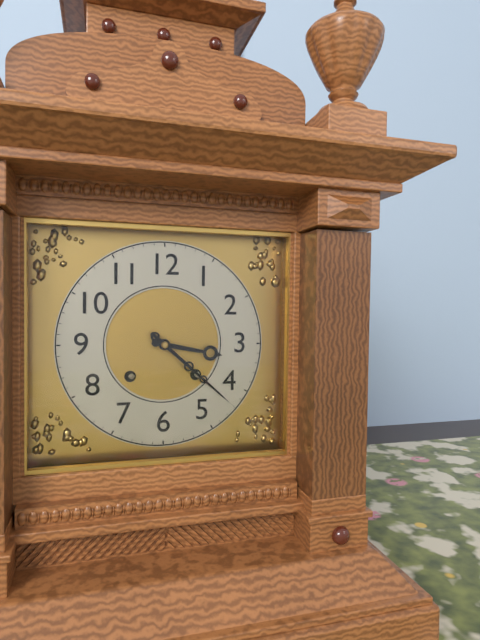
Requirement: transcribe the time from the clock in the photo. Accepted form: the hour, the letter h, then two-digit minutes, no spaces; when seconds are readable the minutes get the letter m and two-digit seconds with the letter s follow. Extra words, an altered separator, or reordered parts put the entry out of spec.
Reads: 3h22
